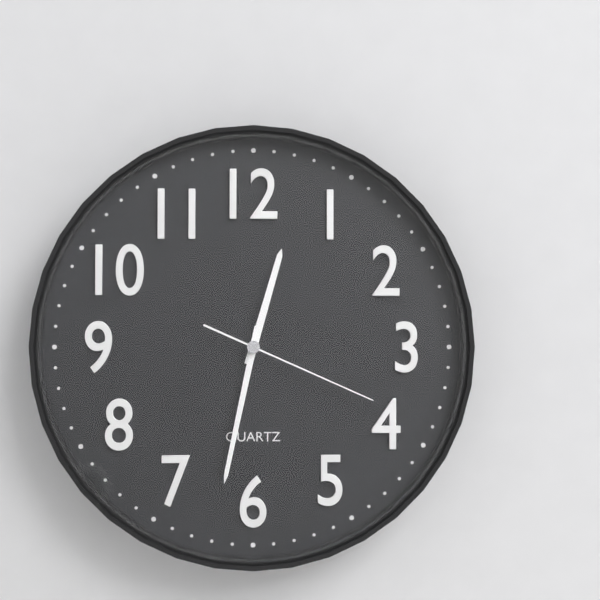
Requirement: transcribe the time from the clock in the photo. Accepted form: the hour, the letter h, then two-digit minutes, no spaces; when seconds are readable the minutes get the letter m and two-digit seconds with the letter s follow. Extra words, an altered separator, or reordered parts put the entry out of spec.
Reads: 12h32m19s
